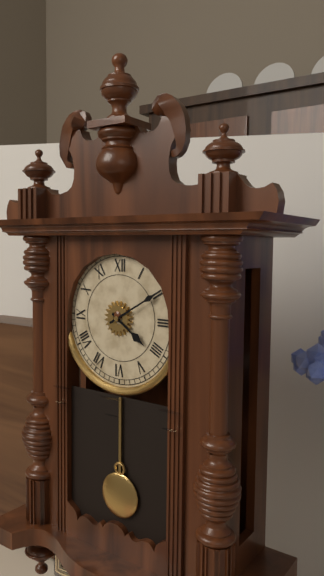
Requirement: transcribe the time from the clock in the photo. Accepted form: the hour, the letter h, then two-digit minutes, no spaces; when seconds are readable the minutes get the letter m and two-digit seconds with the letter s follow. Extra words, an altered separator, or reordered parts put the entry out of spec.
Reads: 4h10
